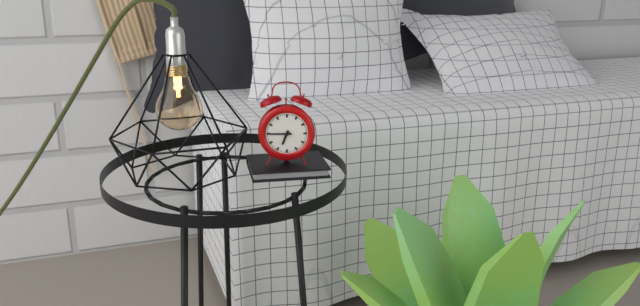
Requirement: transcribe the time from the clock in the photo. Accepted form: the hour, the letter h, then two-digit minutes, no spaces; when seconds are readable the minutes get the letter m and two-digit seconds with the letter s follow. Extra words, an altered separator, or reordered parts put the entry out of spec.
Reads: 6h45
